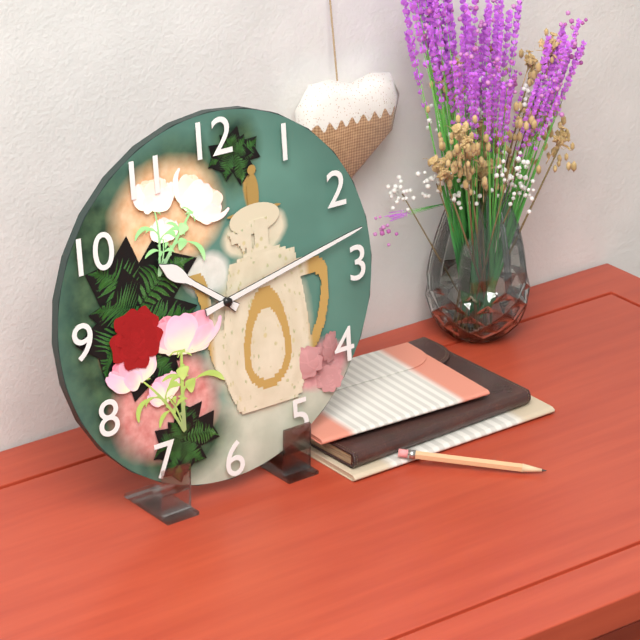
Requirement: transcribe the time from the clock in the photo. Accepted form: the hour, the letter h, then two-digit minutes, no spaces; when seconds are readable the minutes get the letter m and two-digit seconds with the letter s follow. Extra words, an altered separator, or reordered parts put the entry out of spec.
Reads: 10h13
